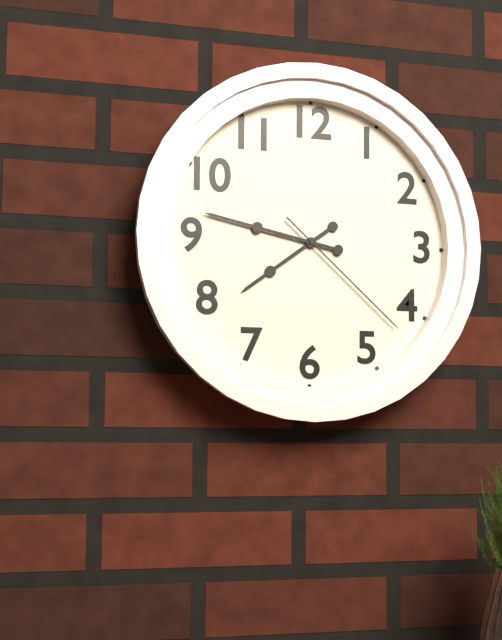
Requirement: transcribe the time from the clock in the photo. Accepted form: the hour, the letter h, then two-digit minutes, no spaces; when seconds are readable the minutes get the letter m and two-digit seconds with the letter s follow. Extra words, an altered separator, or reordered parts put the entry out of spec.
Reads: 7h47m22s
